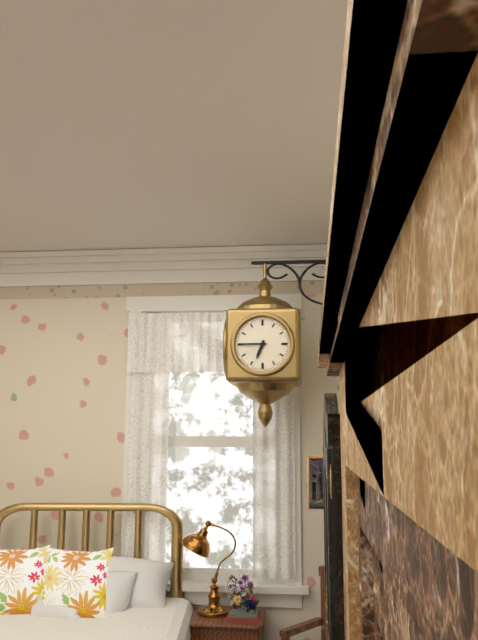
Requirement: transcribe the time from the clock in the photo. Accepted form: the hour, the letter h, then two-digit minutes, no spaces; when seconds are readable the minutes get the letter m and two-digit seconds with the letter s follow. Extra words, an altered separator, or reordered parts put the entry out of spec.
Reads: 6h45
